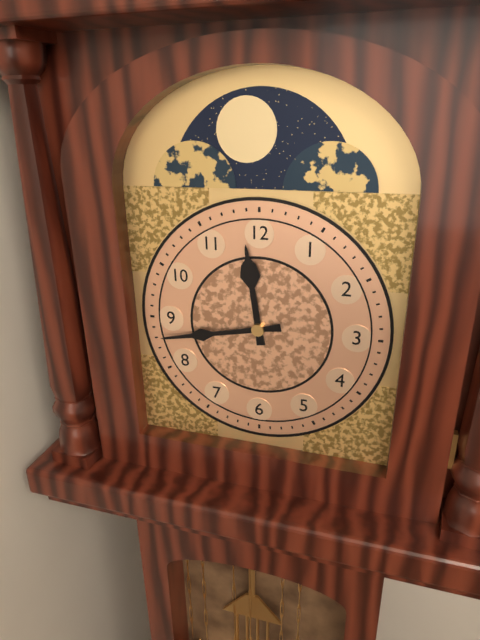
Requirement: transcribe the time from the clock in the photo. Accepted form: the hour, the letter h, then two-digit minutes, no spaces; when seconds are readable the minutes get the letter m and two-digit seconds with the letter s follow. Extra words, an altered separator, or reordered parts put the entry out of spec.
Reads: 11h43
